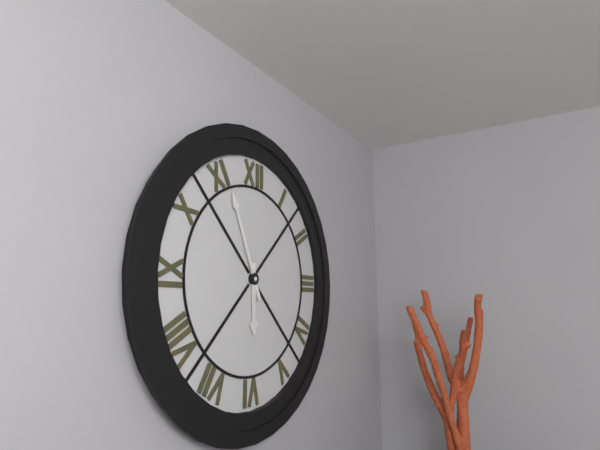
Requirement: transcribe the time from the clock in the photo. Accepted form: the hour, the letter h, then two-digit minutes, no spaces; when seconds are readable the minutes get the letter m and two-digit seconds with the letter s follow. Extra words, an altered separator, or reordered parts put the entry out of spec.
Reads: 5h56
